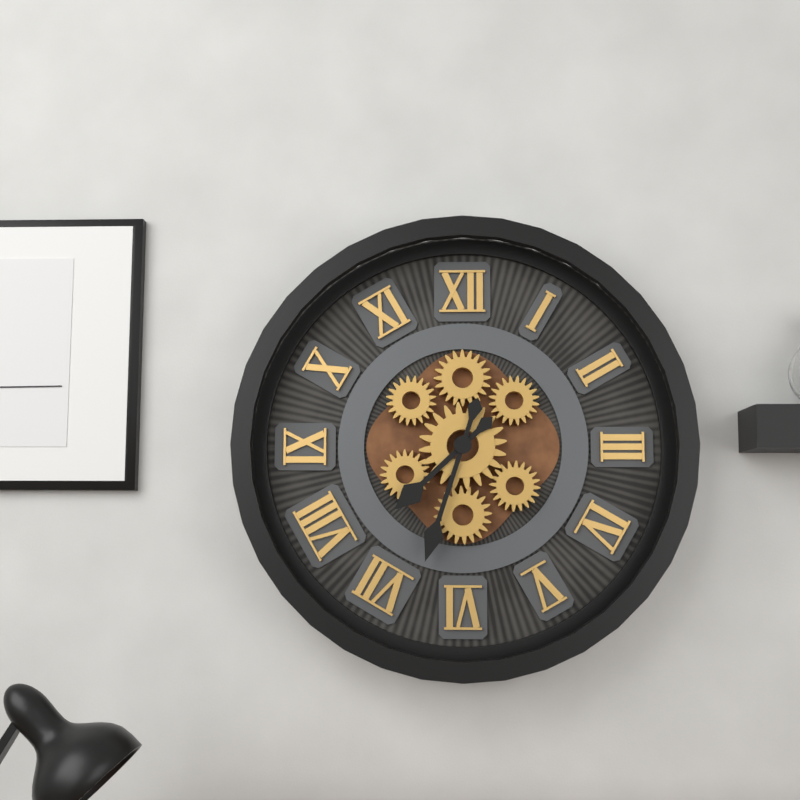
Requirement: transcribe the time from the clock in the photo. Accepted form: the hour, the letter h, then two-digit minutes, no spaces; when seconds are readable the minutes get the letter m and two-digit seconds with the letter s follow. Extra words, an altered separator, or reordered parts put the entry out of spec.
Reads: 7h33
